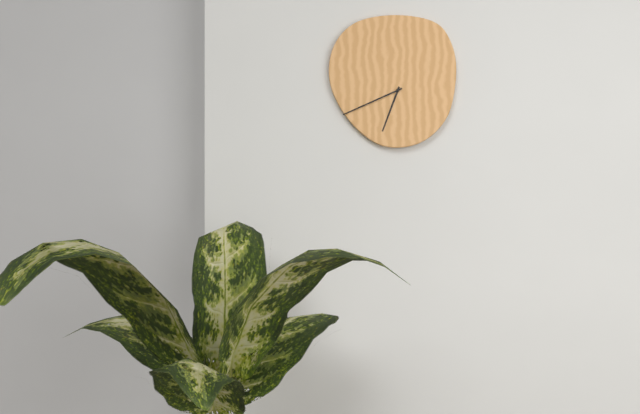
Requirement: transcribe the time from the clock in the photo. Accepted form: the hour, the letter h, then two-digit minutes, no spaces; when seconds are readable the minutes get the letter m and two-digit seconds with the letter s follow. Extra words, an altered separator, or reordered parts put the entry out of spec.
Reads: 6h41
